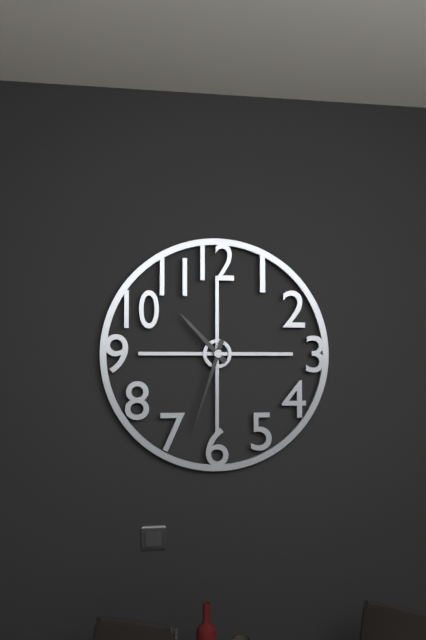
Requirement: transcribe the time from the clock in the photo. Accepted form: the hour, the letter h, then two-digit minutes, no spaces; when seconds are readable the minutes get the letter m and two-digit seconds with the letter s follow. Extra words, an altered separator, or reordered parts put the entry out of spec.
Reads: 10h33
